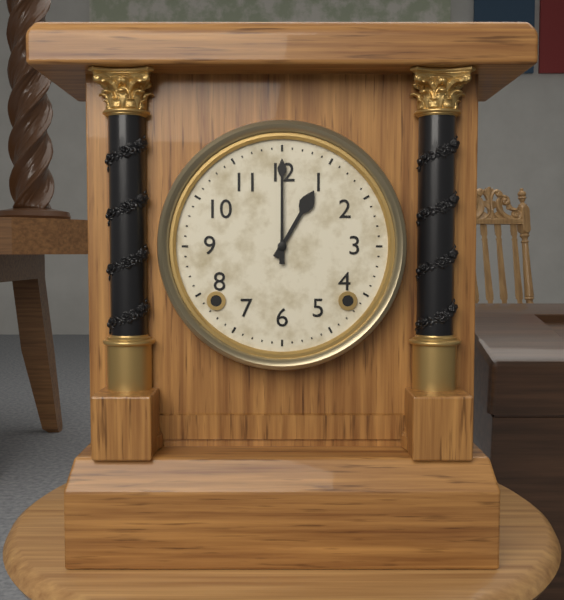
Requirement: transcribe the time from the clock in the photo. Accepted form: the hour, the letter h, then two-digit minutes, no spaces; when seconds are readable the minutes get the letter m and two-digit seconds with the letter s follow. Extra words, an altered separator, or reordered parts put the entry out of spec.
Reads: 1h00
